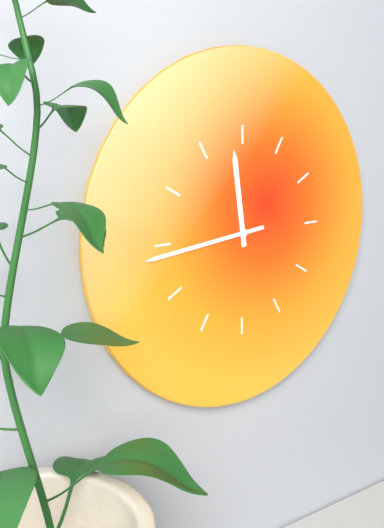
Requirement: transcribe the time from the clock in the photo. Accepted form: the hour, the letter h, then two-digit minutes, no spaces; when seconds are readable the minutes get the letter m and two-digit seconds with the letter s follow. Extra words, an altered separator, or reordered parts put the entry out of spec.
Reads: 11h44
